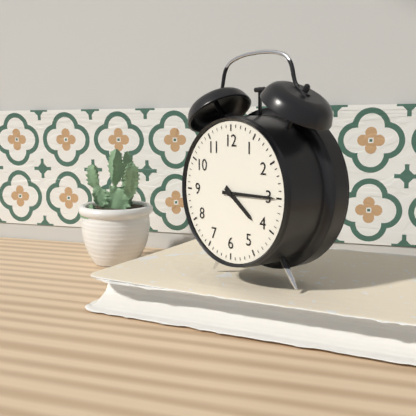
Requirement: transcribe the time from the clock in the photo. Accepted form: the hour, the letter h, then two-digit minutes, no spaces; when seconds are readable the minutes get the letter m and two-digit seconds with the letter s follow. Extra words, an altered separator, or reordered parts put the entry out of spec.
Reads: 4h15
